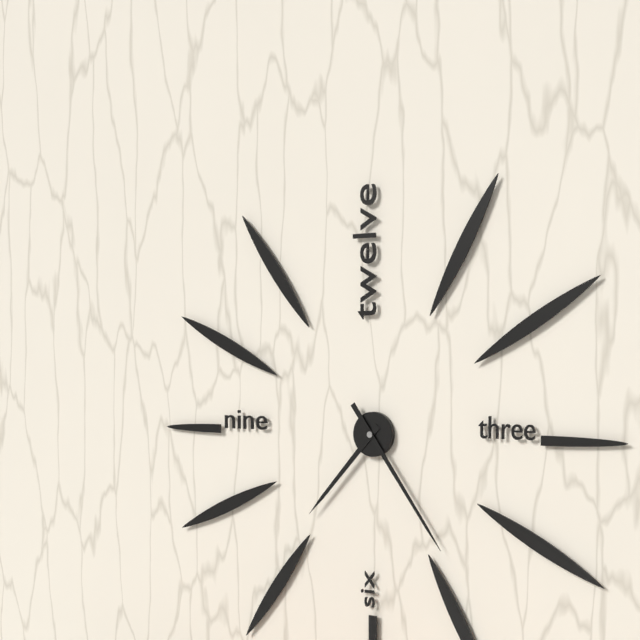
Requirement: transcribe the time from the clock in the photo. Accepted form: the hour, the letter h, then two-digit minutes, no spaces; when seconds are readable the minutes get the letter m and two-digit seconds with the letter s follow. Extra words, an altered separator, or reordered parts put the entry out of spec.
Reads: 7h24
